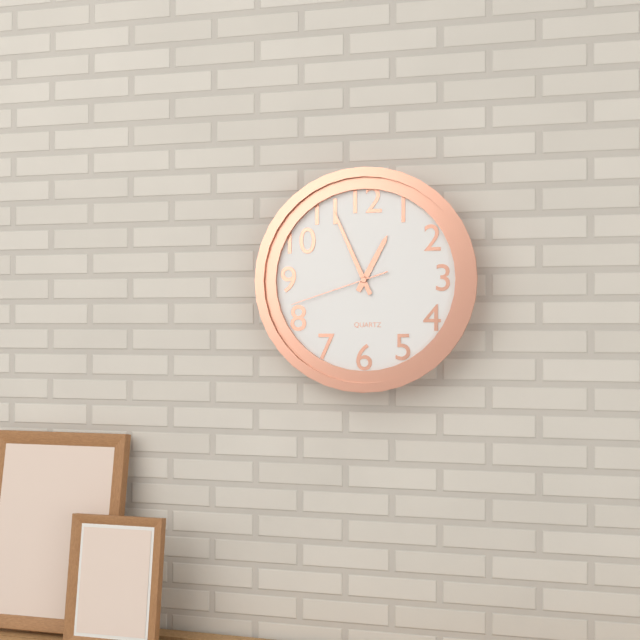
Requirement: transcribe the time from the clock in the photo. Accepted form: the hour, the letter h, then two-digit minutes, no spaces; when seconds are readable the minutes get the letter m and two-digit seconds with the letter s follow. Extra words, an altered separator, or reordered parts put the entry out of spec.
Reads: 12h56m42s
